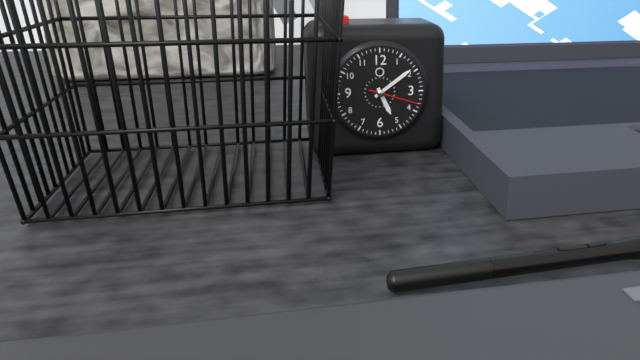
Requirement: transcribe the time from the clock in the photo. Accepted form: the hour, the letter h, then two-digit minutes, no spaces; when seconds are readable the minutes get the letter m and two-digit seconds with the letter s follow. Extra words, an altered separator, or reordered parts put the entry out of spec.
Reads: 5h09m18s
